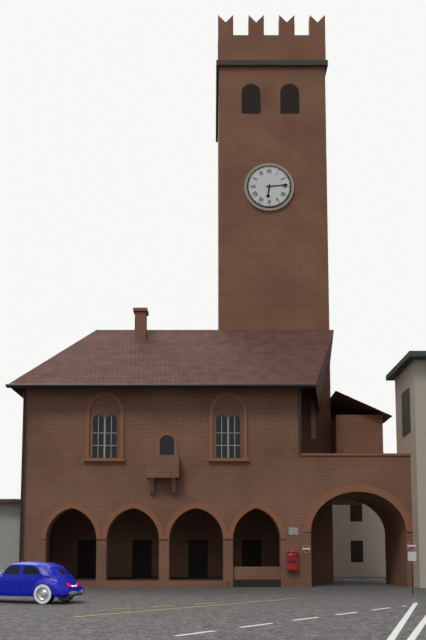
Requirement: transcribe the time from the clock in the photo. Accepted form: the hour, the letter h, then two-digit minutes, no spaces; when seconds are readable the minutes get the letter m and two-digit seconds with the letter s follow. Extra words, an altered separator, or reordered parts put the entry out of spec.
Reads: 6h14
